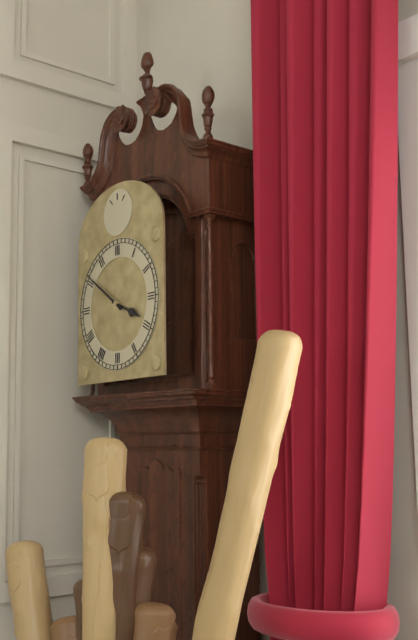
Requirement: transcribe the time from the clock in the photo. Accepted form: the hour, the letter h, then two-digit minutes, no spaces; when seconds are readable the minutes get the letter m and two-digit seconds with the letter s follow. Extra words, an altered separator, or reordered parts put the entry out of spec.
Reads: 3h51
